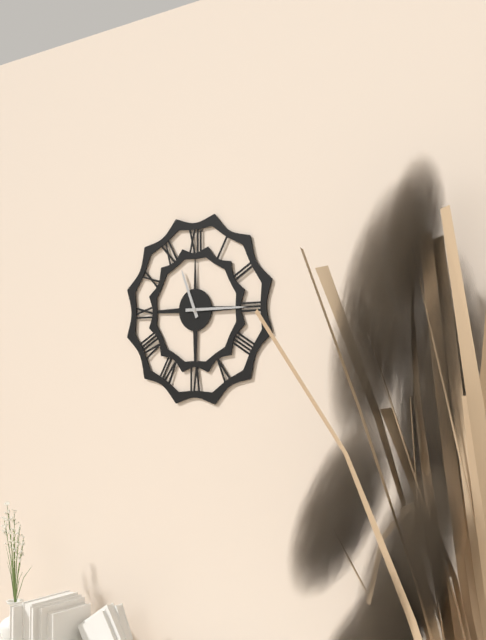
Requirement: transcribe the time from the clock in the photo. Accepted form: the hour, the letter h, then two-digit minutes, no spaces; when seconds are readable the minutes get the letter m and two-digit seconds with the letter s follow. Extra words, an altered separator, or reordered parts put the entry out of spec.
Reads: 11h15
